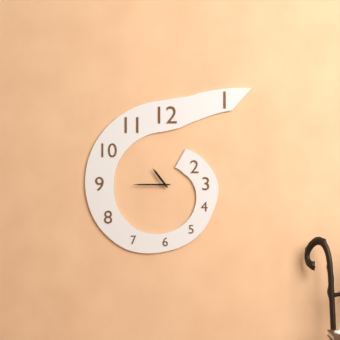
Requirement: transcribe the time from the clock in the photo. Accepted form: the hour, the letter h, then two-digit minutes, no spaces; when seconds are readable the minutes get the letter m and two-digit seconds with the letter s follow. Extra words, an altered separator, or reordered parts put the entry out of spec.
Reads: 10h45
